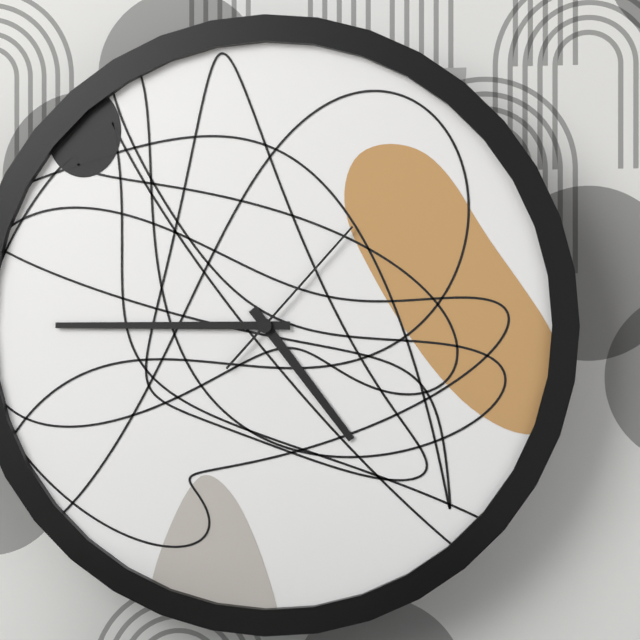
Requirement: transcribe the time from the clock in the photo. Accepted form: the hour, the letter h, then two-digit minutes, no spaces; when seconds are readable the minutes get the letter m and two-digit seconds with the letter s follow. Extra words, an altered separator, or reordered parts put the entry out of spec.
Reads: 4h45m07s
